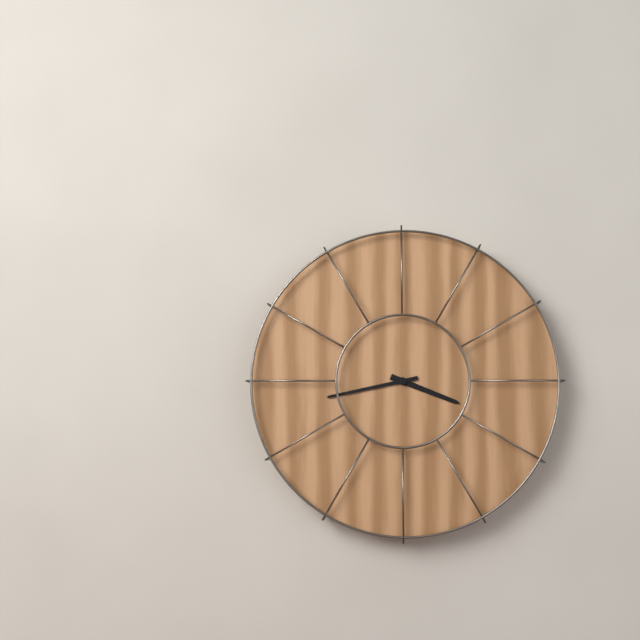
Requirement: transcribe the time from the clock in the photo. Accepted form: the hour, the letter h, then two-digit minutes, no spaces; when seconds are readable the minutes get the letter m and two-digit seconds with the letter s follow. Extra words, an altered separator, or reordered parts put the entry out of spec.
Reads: 3h43
